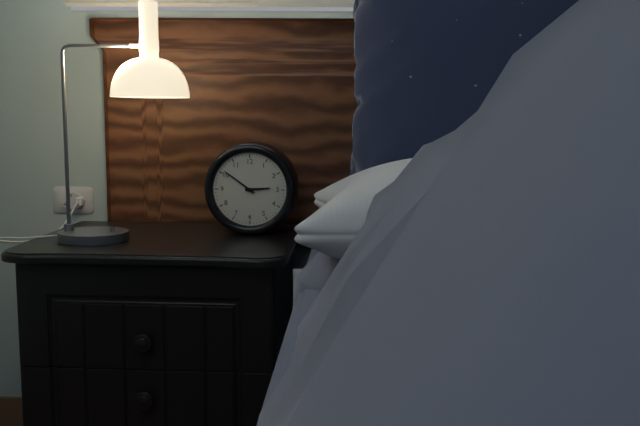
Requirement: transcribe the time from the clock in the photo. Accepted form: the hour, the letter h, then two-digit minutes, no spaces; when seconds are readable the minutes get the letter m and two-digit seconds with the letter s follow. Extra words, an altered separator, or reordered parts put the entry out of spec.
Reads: 2h51
